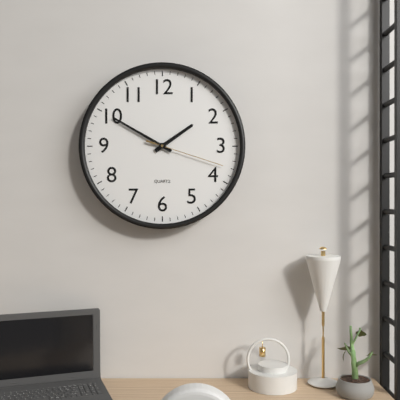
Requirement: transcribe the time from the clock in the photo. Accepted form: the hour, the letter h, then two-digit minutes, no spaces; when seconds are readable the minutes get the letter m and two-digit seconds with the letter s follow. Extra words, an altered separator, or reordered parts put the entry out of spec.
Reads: 1h50m18s
